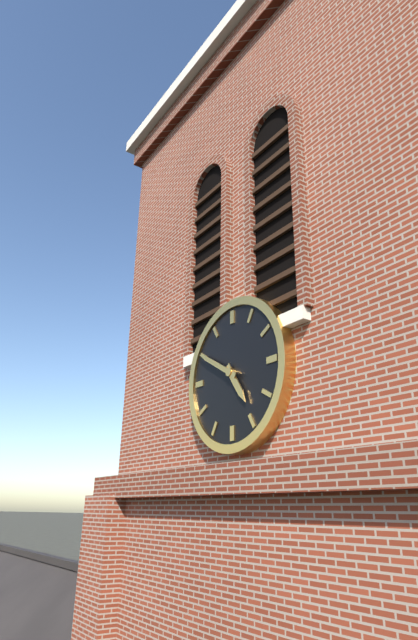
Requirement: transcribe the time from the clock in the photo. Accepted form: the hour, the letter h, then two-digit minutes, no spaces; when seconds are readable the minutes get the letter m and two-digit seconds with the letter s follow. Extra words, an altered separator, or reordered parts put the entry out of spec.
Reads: 4h50
